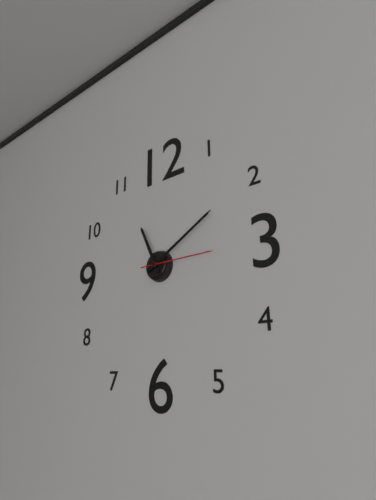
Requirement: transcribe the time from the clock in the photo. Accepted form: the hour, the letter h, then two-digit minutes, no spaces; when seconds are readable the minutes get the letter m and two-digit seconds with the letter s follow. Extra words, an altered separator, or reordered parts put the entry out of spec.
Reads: 11h10m15s
